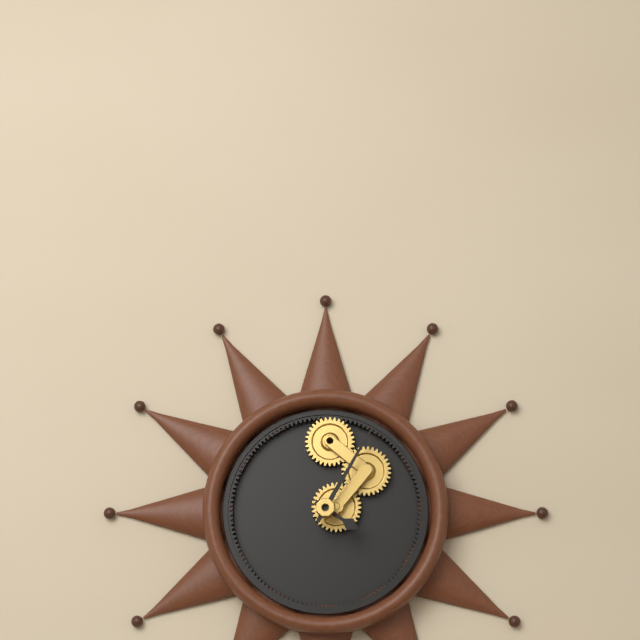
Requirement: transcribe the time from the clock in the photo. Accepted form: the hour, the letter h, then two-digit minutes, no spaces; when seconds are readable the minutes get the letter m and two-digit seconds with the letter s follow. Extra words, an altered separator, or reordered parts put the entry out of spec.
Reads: 4h05
